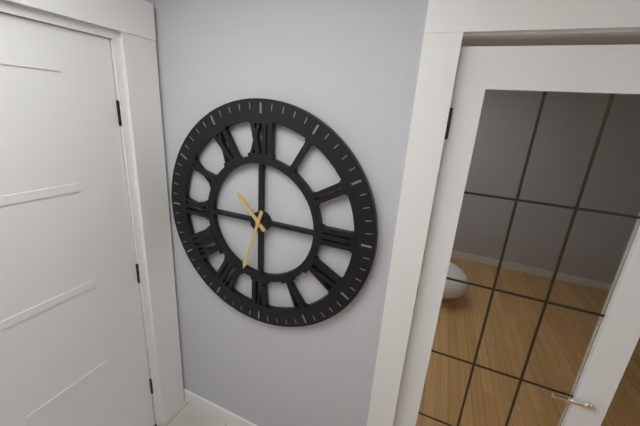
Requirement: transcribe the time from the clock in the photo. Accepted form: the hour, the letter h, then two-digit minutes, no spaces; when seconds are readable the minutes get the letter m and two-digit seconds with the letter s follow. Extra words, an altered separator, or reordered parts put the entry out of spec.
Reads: 10h33
